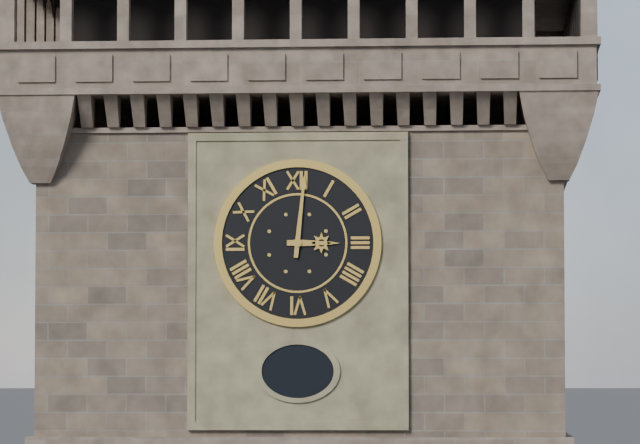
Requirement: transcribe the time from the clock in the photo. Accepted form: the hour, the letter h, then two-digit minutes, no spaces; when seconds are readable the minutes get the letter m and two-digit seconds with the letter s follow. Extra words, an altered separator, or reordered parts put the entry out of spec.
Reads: 3h01
